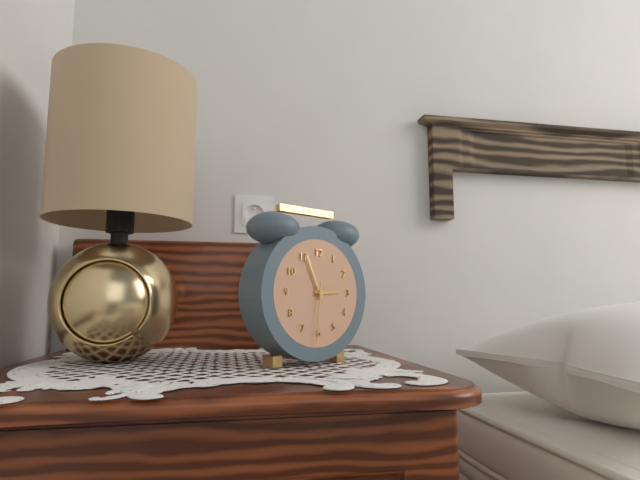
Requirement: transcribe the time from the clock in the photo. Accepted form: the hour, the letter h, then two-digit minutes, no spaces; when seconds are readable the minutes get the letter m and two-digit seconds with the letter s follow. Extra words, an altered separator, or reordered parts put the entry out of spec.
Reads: 2h56m31s
